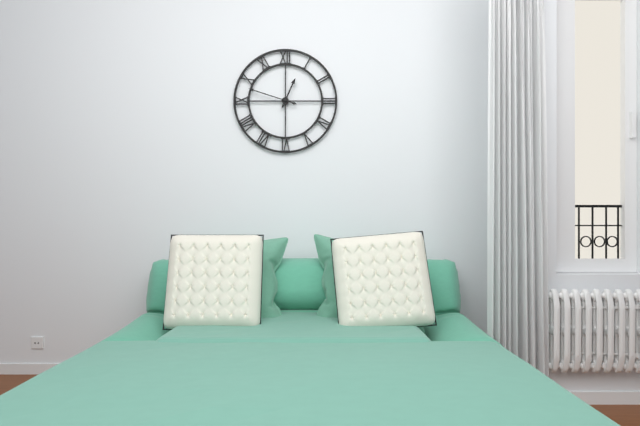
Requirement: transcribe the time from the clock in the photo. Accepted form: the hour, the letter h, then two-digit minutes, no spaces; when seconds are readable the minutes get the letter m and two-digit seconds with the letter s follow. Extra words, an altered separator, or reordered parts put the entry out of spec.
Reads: 12h48
